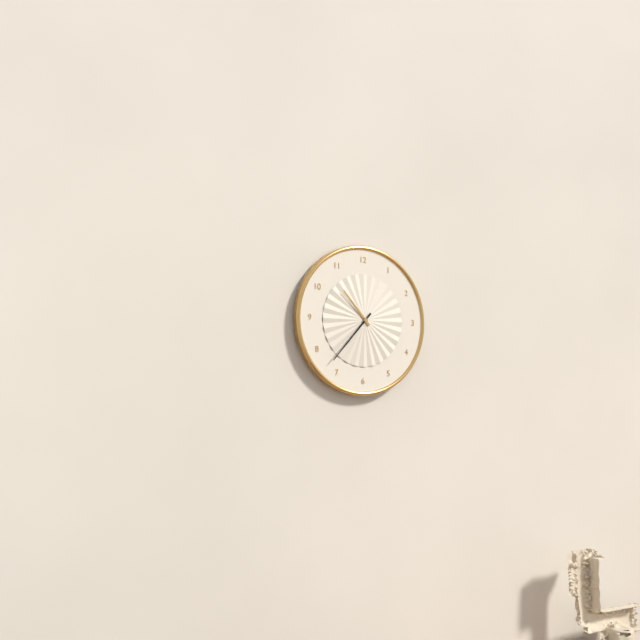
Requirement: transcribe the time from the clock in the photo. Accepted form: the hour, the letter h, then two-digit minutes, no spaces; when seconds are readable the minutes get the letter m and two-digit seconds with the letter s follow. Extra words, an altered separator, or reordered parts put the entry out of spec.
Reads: 10h37
